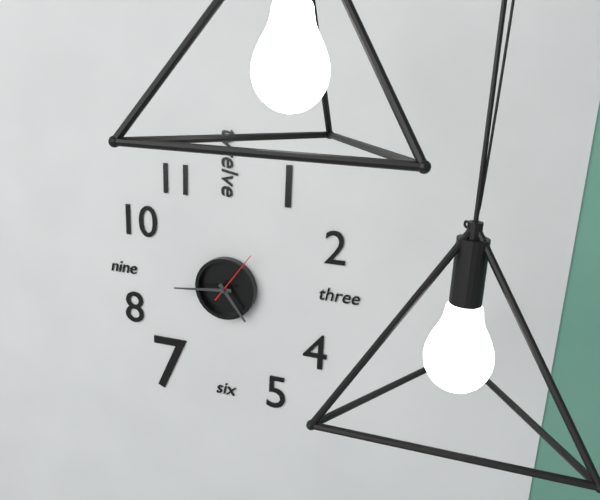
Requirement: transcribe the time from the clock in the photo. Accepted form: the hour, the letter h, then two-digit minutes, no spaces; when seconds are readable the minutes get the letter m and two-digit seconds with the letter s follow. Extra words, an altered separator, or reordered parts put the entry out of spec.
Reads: 4h44m06s
